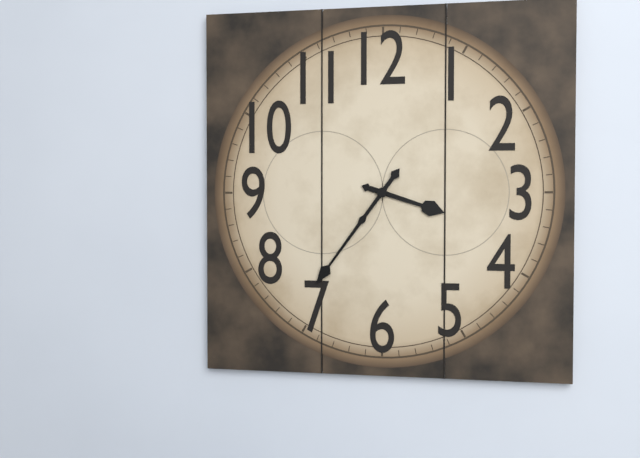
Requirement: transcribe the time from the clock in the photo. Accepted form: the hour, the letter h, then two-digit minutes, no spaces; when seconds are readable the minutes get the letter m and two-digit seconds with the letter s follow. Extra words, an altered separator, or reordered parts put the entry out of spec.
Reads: 3h36
